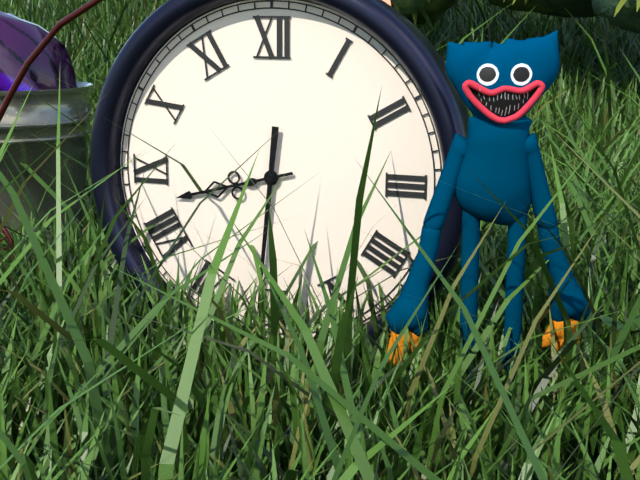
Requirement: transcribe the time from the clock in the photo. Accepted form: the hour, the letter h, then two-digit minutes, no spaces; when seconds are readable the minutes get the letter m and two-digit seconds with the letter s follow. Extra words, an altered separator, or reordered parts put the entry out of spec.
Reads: 8h31
